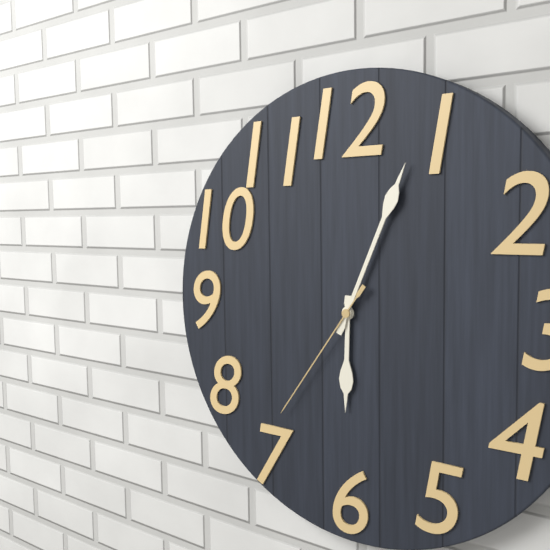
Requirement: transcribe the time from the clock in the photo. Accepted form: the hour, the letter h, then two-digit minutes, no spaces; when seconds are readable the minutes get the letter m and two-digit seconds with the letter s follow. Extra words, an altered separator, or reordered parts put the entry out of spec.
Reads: 6h04m36s
